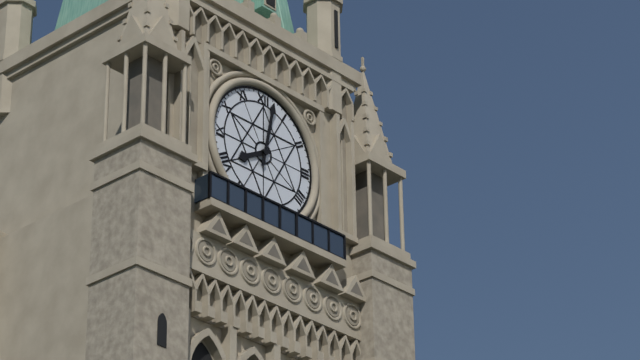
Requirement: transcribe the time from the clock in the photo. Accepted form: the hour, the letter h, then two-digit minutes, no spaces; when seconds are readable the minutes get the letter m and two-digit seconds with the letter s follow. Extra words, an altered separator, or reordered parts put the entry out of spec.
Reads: 8h02
